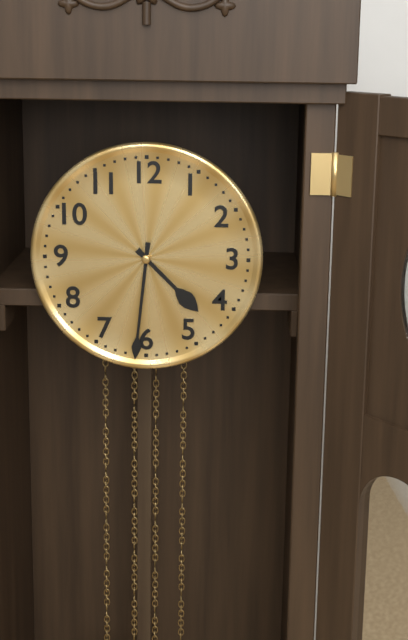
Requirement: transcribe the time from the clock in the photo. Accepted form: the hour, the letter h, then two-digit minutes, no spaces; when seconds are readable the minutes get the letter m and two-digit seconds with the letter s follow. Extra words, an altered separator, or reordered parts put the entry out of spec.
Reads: 4h31
